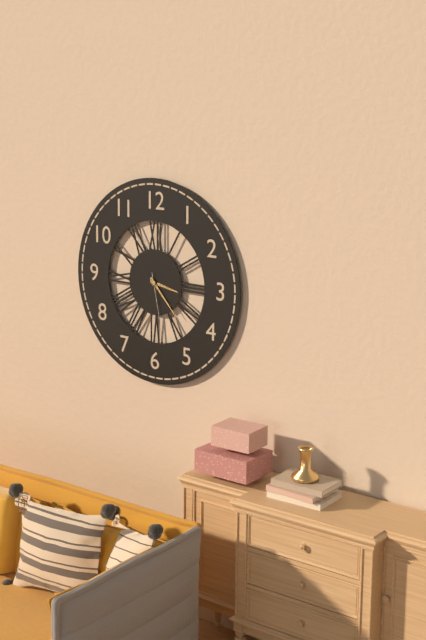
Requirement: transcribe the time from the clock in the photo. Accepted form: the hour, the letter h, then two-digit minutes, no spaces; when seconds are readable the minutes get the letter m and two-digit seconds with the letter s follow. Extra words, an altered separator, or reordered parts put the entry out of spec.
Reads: 3h23m28s
